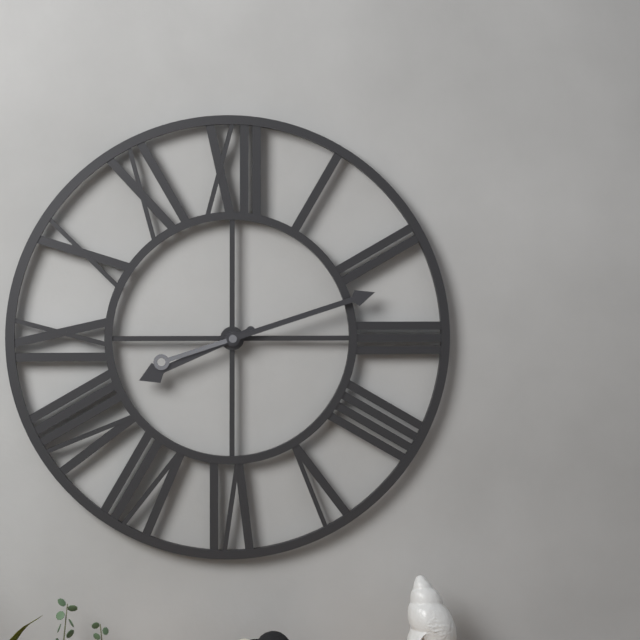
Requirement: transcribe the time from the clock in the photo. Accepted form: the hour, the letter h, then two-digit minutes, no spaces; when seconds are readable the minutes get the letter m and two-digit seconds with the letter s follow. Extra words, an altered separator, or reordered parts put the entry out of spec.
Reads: 8h12
